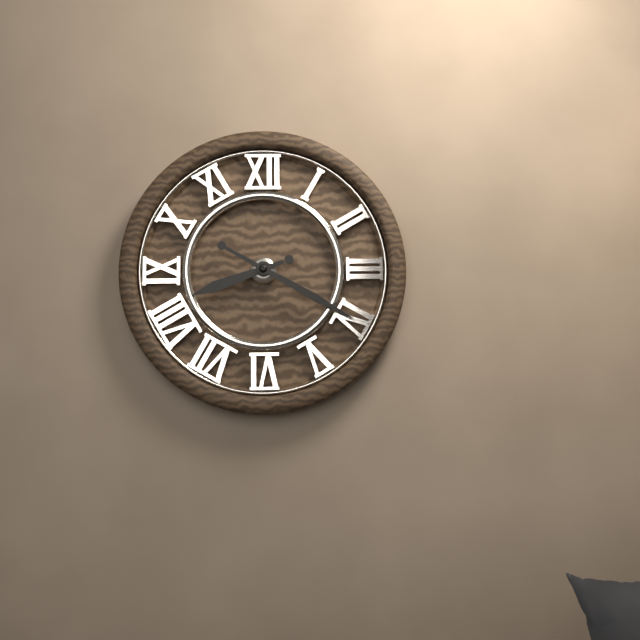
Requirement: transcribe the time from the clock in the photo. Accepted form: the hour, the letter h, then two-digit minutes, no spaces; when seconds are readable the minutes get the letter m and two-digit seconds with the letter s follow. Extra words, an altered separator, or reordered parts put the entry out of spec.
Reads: 8h20
